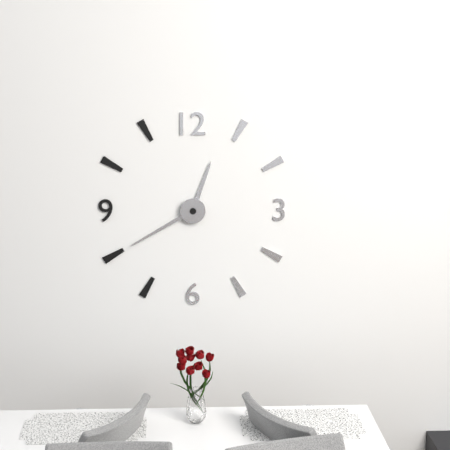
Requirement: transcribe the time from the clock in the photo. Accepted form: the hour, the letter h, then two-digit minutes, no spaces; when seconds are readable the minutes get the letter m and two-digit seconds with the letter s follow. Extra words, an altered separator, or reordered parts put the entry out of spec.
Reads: 12h40
